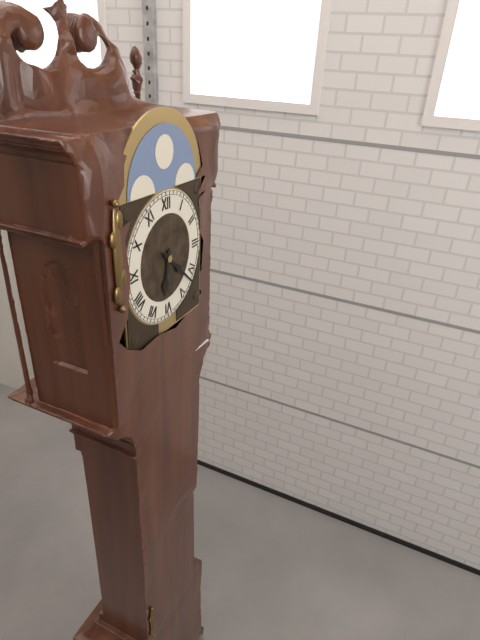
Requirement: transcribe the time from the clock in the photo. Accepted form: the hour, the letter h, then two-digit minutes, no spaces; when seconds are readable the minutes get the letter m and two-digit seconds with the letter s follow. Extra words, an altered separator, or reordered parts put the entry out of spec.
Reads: 6h22
